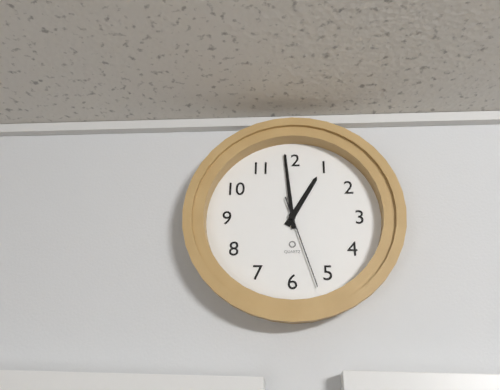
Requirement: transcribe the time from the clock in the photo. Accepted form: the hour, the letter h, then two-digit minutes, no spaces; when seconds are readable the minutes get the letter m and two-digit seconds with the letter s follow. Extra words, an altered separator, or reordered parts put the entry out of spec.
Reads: 12h59m27s
